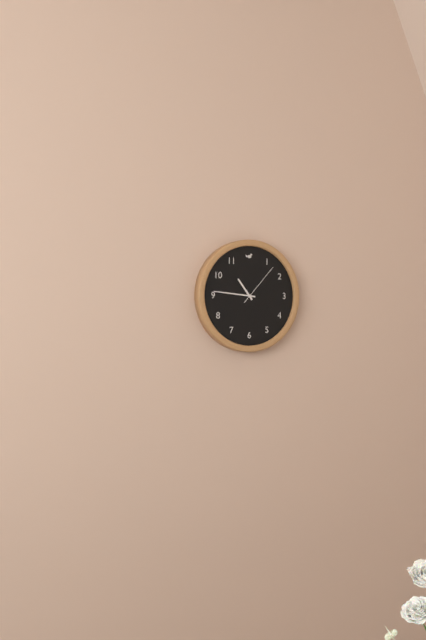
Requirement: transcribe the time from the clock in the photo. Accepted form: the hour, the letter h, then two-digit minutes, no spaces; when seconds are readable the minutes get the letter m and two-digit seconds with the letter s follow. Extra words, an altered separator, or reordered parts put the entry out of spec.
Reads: 10h46m07s
